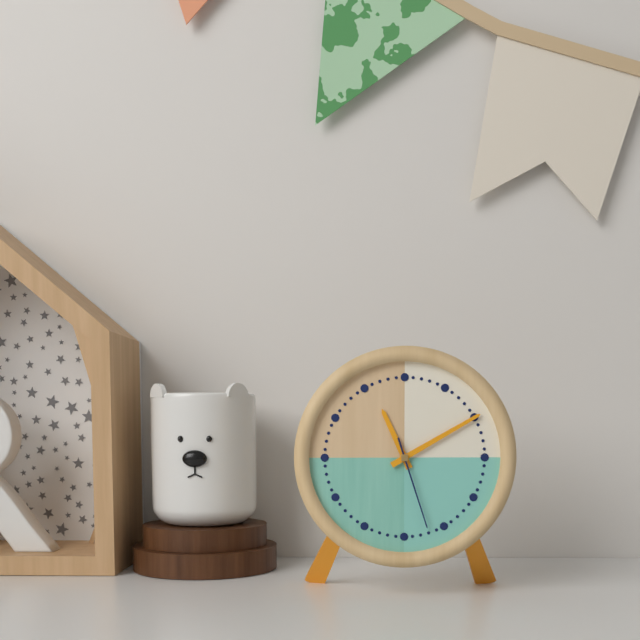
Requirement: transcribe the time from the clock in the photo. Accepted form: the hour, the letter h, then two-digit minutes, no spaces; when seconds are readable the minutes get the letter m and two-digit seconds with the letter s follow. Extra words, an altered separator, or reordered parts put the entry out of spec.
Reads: 11h10m27s
